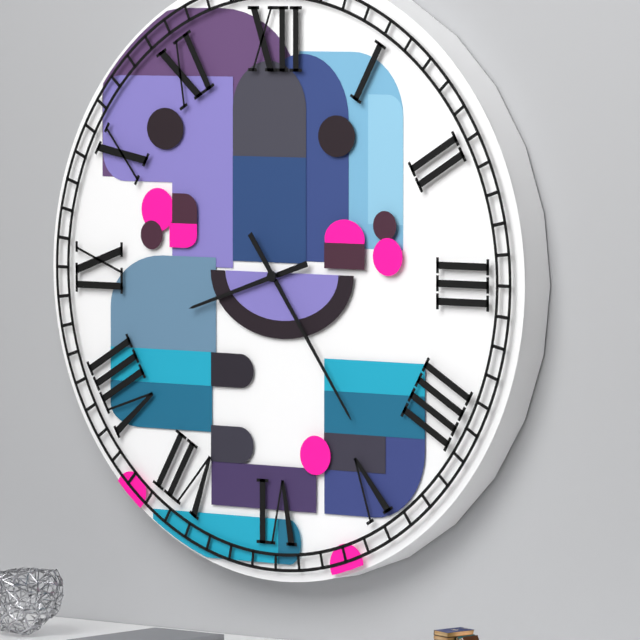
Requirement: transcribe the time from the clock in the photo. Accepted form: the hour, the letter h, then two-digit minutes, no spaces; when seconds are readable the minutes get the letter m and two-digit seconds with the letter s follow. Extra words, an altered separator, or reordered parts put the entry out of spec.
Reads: 8h24
